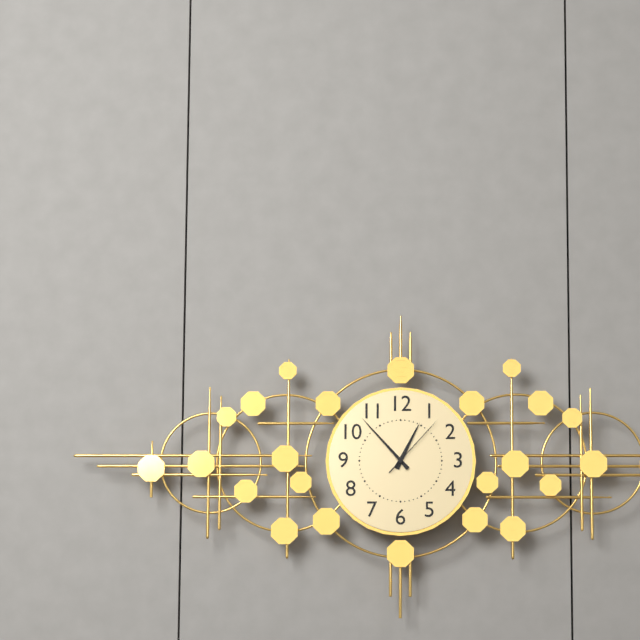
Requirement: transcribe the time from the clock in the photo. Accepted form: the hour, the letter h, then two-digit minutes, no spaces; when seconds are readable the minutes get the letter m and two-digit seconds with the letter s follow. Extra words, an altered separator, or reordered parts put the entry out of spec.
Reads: 12h53m07s
